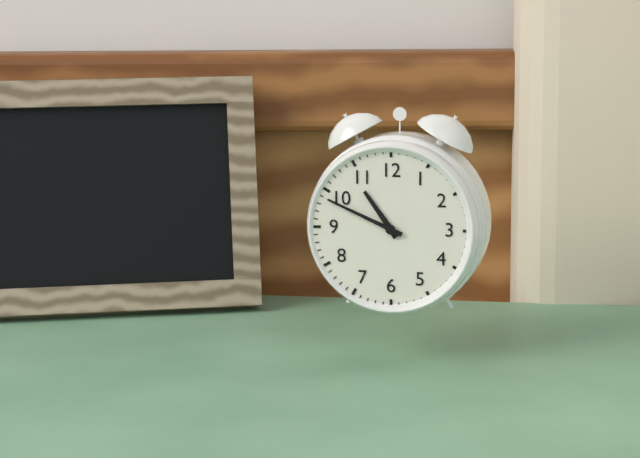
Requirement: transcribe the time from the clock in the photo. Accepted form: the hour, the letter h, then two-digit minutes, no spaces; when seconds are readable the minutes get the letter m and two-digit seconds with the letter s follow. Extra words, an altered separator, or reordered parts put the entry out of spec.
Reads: 10h49
